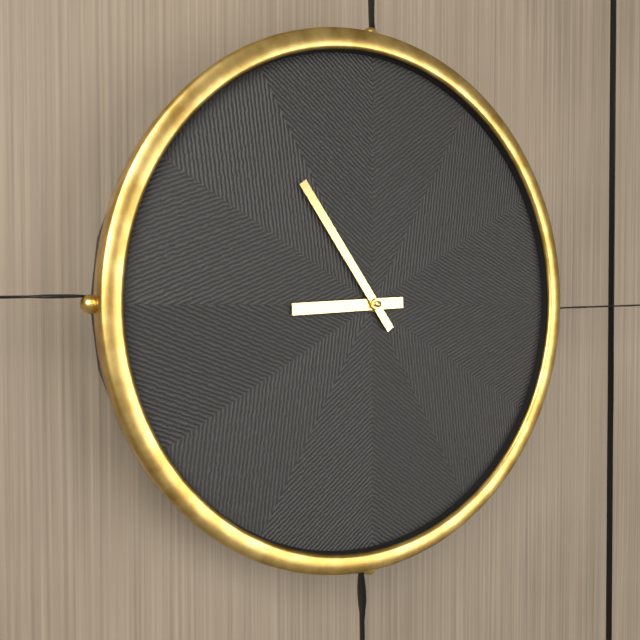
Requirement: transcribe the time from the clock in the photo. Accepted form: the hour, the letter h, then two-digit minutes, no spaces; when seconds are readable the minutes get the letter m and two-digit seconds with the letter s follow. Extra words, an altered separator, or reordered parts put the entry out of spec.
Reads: 8h54
